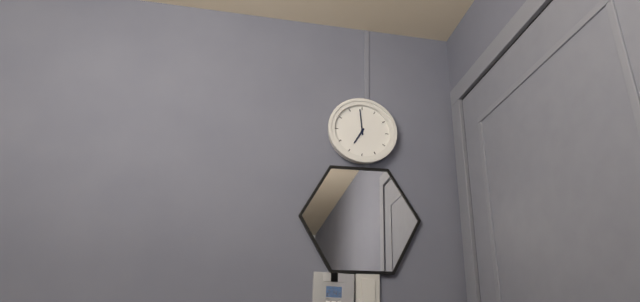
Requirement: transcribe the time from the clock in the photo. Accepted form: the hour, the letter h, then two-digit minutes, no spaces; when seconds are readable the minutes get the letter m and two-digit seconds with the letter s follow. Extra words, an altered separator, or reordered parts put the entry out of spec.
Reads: 6h59
